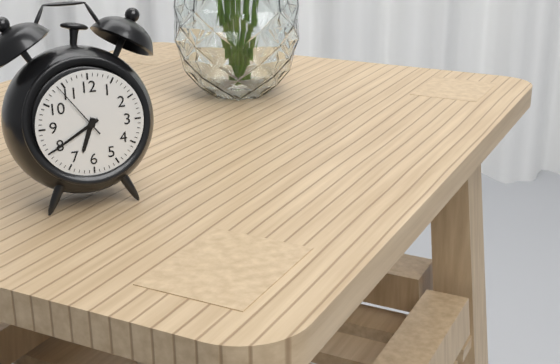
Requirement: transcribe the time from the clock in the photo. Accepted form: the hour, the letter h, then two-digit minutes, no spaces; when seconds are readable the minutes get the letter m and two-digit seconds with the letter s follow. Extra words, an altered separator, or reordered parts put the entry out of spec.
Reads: 6h40m54s
